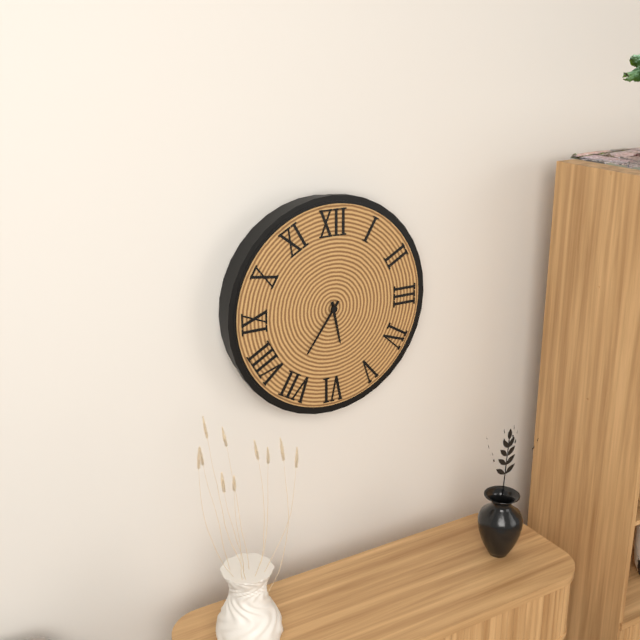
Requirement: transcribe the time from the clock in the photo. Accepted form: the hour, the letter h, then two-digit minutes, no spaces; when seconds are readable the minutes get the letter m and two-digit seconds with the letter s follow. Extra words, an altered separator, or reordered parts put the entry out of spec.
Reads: 5h36
